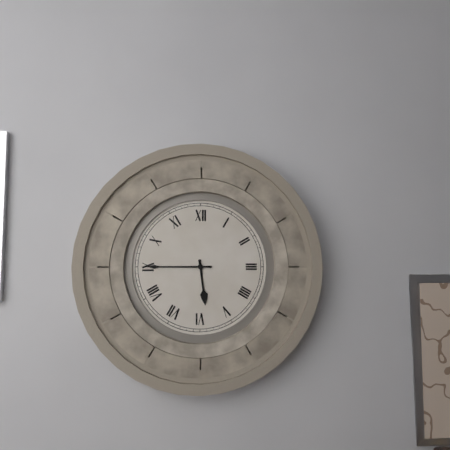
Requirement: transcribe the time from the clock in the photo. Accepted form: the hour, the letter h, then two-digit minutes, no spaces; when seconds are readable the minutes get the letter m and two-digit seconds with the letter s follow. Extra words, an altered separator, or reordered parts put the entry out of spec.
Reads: 5h45
